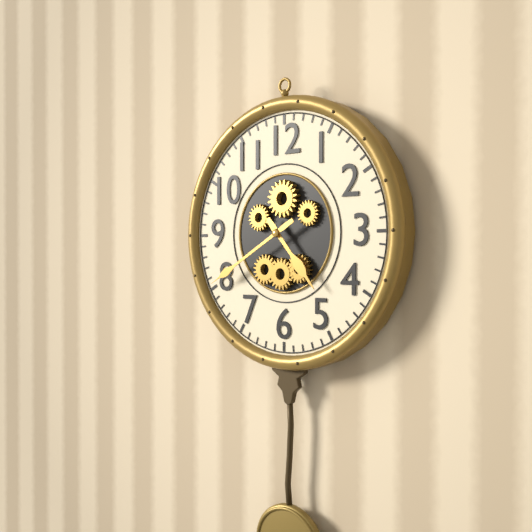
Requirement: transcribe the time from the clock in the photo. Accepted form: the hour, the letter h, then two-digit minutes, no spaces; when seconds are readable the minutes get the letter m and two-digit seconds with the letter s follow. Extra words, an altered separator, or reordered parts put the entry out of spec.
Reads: 4h40
